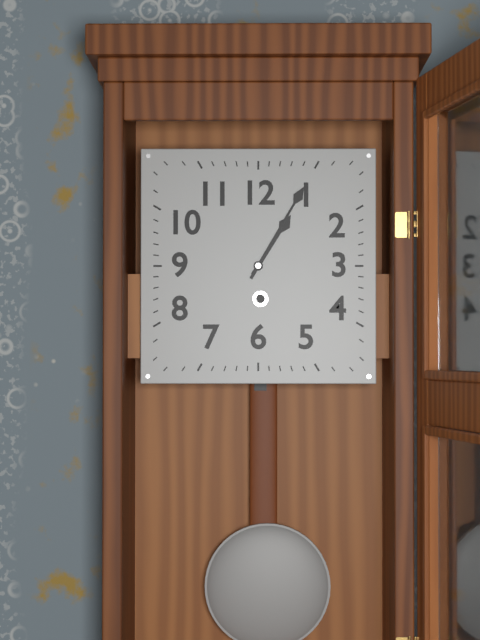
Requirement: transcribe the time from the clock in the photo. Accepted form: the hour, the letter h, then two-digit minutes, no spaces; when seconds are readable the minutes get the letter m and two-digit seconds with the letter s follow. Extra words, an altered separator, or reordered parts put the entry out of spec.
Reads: 1h05
